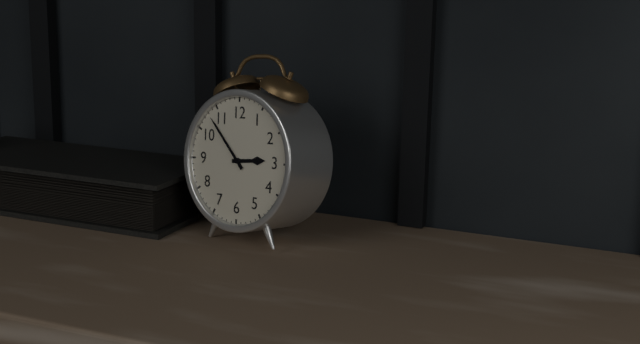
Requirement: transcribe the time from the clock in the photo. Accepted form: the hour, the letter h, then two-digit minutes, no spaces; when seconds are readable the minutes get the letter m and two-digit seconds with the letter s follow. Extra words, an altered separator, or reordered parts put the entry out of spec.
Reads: 2h53
